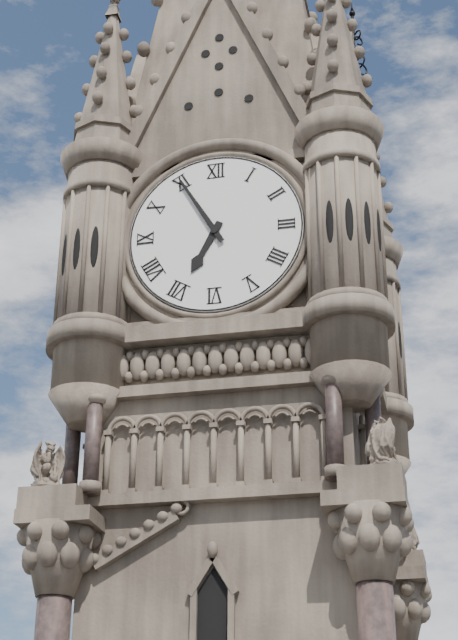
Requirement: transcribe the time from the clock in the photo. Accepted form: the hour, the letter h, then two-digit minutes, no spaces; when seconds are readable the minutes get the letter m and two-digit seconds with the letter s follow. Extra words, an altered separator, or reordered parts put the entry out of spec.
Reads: 6h55
